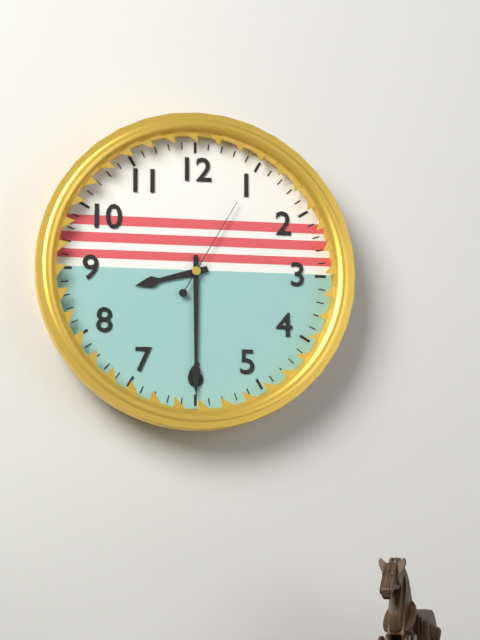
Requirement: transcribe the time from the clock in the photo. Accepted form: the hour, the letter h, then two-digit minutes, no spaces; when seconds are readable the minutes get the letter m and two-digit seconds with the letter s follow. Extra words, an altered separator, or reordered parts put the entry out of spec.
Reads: 8h30m05s
